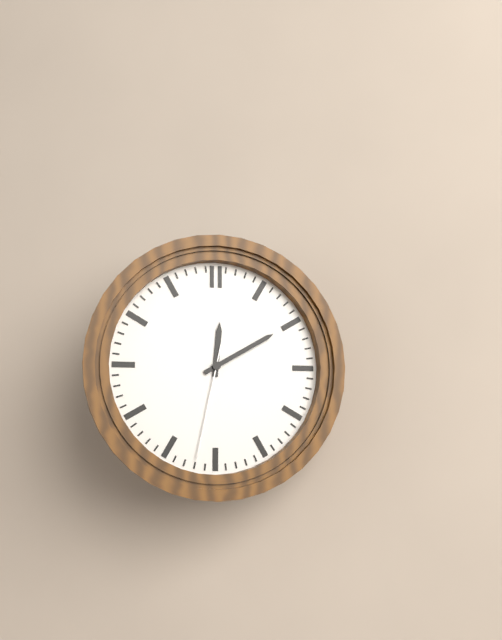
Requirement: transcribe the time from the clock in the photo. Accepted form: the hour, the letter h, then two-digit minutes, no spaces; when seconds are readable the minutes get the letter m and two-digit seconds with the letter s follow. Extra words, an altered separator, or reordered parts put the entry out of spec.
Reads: 12h10m32s
